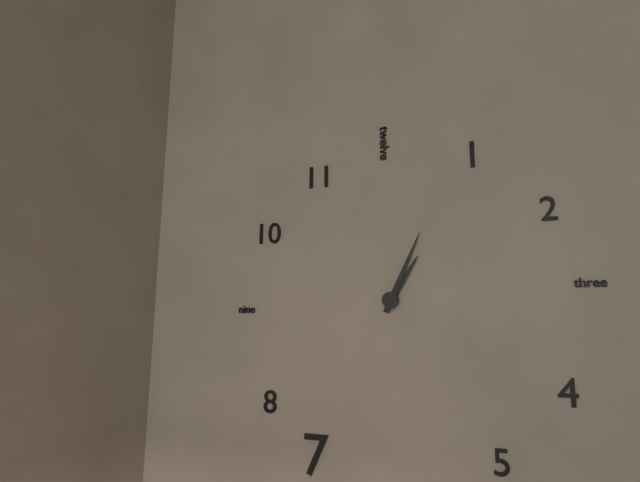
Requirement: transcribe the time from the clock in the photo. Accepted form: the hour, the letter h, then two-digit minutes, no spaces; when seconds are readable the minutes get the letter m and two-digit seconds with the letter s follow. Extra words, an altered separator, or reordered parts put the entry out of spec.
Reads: 1h04
